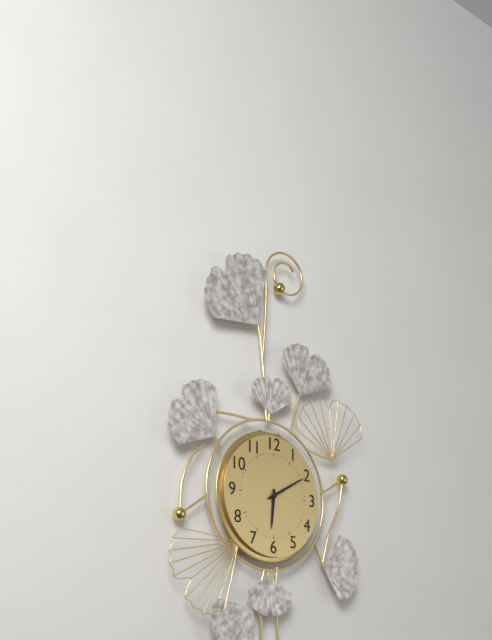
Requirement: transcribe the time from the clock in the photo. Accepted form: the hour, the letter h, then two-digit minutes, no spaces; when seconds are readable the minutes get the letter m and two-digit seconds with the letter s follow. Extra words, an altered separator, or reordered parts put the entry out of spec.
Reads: 6h10
